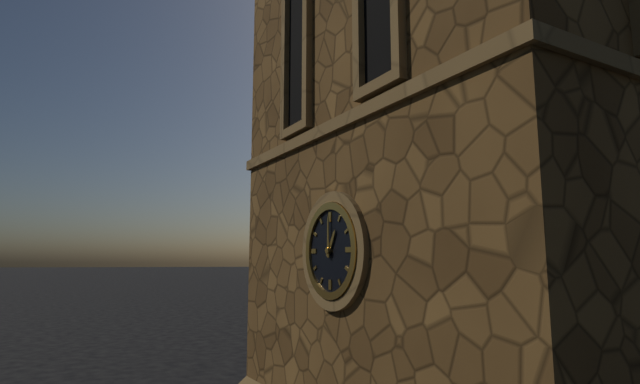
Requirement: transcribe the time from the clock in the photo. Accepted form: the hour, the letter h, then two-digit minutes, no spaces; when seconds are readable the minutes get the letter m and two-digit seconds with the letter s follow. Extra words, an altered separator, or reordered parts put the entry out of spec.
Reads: 1h00
